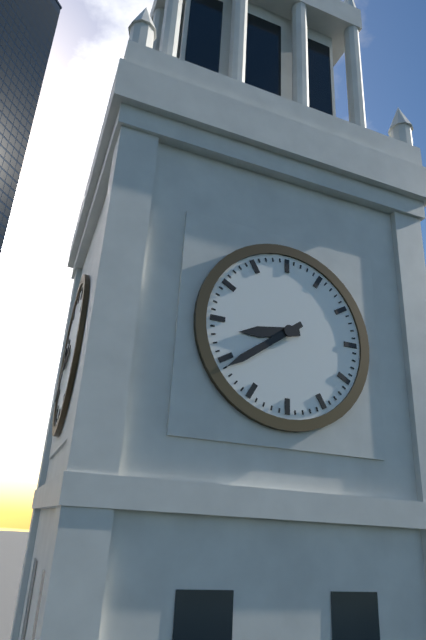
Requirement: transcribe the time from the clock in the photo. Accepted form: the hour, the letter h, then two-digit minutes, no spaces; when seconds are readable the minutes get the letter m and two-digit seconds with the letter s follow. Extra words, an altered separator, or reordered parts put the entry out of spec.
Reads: 8h39
